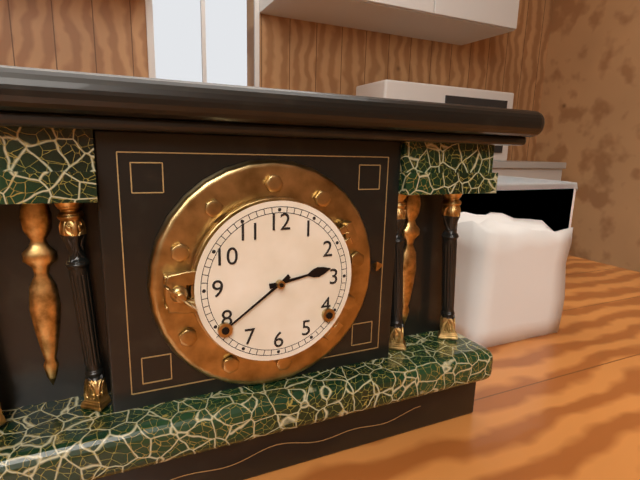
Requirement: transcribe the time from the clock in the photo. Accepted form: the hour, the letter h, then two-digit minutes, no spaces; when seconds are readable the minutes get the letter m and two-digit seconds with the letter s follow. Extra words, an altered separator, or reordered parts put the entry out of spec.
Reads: 2h39
